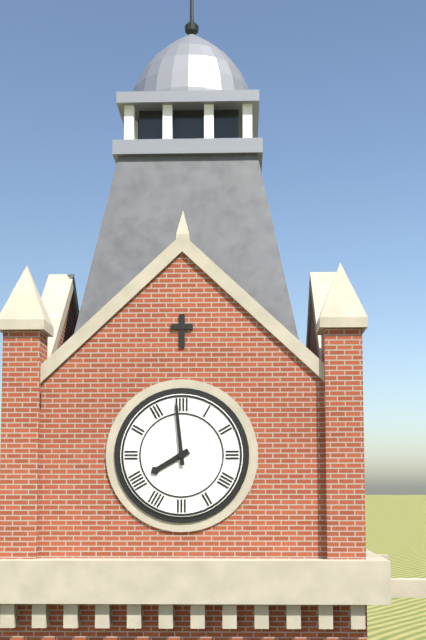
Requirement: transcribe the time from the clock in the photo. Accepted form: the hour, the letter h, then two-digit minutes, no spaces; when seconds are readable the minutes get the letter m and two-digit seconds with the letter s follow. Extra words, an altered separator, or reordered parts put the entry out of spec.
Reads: 7h59
